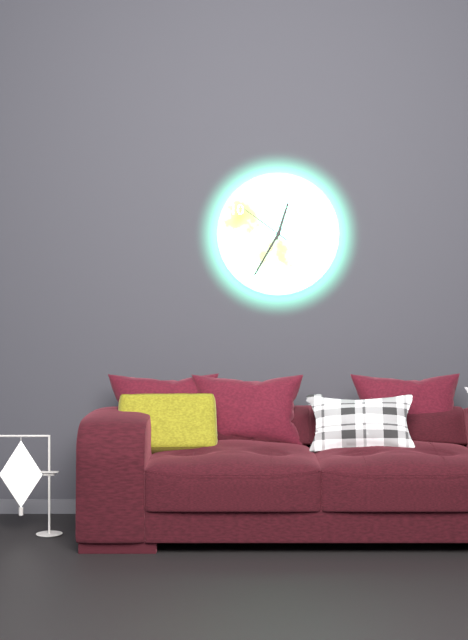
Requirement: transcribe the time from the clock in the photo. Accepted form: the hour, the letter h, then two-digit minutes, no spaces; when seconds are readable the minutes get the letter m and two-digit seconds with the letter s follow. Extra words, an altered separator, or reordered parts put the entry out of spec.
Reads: 12h35m51s
